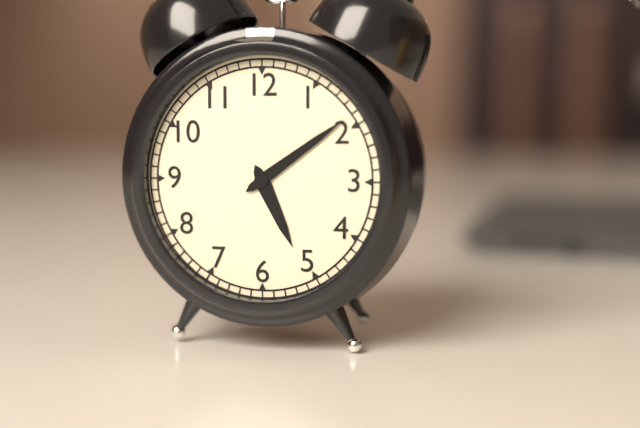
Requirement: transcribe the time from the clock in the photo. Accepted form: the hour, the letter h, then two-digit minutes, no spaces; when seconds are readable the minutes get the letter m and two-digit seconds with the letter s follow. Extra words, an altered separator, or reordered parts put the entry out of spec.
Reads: 5h09
